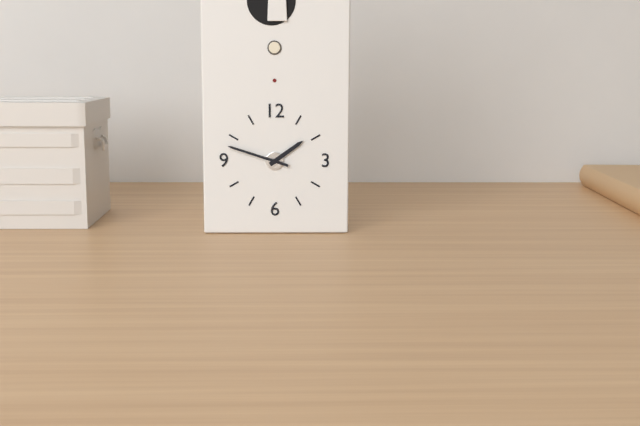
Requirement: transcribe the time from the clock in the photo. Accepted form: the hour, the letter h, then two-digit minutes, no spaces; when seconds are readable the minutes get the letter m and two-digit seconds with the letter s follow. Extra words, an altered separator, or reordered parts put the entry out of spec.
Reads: 1h48
